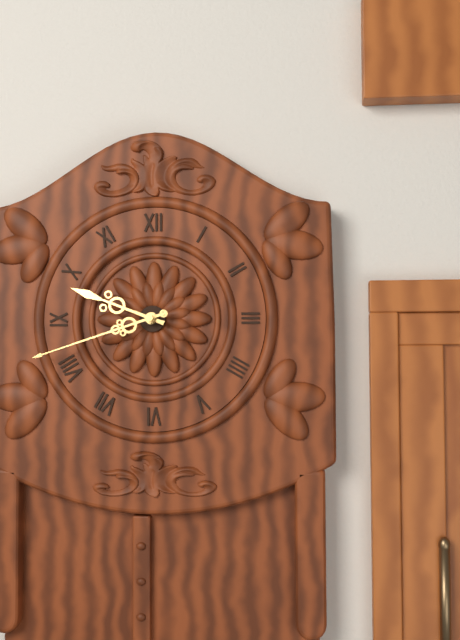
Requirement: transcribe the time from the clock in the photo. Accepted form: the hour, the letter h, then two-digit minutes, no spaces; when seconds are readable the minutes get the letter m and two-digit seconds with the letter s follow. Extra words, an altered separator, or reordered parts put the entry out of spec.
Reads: 9h42
